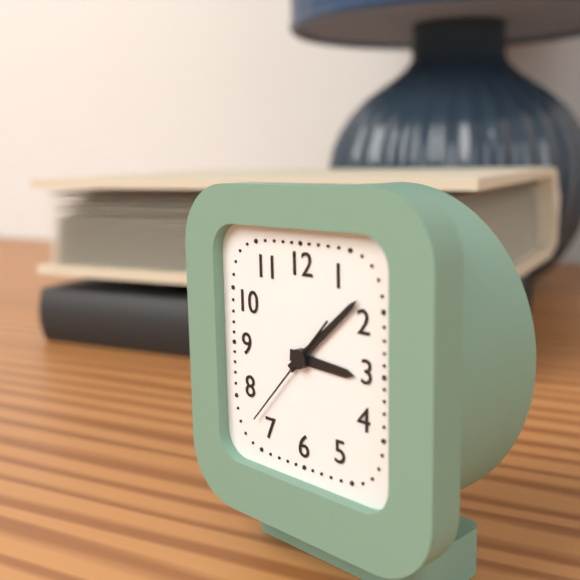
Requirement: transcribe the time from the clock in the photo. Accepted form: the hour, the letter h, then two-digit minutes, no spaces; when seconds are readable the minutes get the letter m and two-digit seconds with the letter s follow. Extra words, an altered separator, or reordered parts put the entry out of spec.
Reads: 3h08m37s
